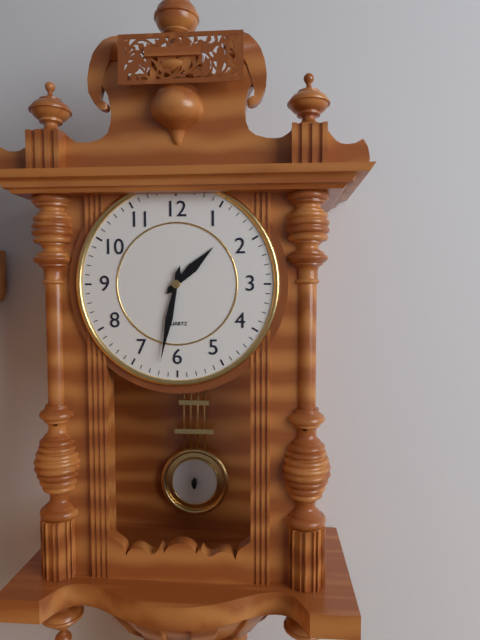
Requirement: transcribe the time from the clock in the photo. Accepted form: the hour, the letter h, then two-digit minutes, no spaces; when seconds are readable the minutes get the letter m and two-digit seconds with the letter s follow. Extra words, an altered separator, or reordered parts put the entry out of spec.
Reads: 1h32
